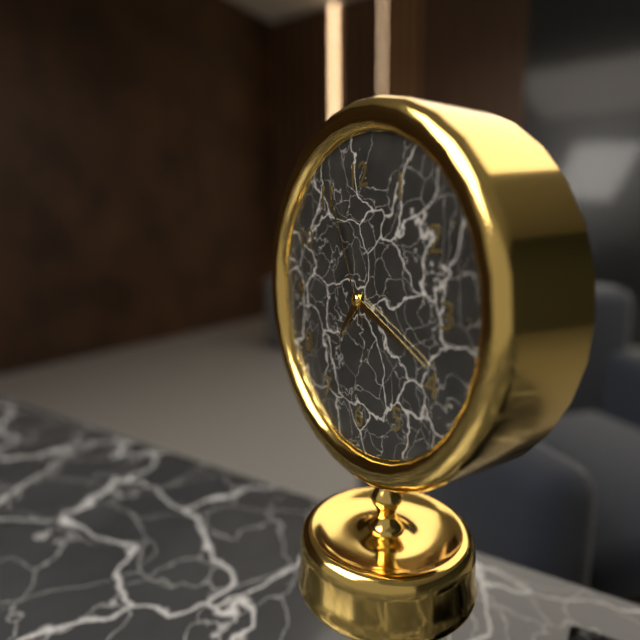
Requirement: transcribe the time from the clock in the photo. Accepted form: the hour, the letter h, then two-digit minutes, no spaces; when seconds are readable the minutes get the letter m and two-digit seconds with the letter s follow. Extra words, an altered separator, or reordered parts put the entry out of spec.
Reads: 7h19m56s
